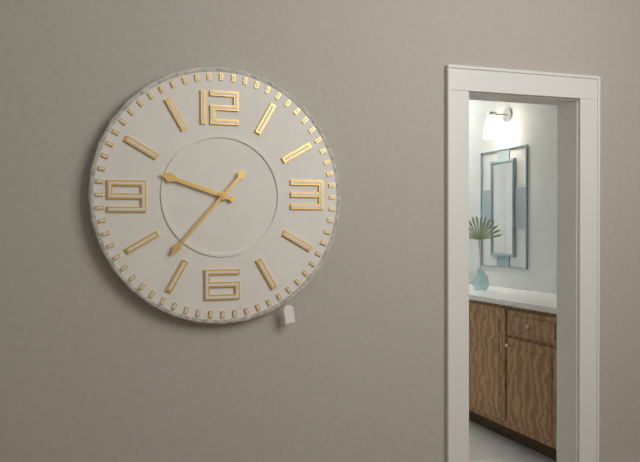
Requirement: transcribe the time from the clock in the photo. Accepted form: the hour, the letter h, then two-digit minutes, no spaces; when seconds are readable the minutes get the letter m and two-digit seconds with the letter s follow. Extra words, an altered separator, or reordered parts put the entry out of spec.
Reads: 9h37
